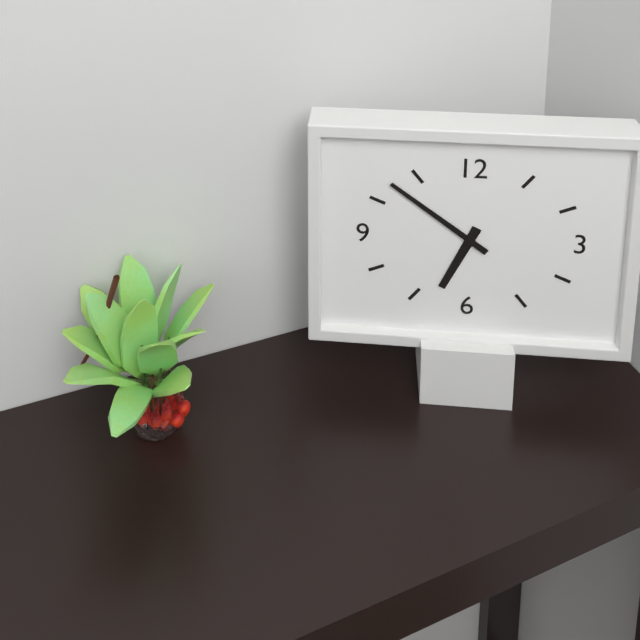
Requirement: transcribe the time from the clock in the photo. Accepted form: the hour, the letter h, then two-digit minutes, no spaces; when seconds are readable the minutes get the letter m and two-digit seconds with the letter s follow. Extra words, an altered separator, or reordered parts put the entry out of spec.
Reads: 6h51
